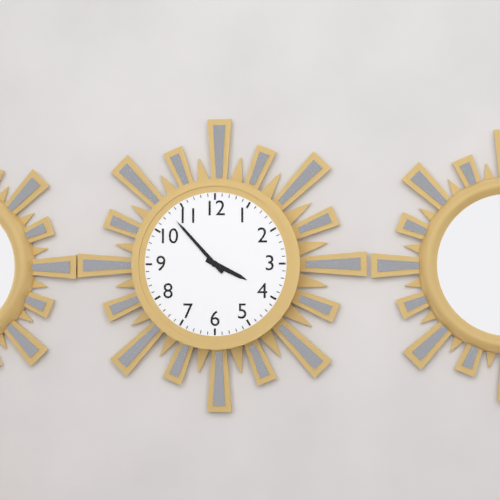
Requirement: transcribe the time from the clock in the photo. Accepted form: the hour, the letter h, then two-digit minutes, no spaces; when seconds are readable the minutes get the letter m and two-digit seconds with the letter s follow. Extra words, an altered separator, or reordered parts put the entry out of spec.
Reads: 3h53
